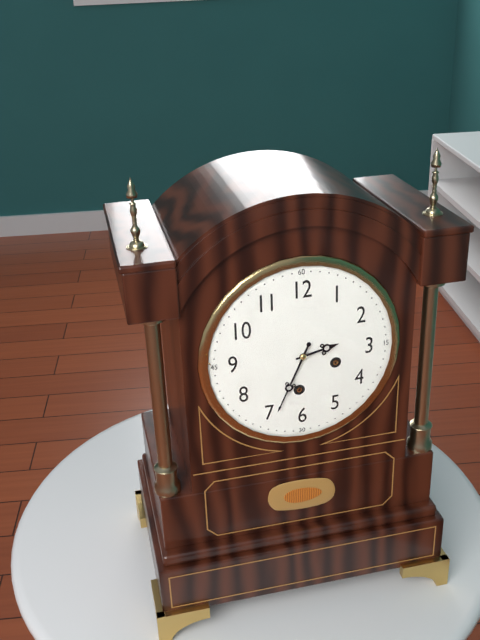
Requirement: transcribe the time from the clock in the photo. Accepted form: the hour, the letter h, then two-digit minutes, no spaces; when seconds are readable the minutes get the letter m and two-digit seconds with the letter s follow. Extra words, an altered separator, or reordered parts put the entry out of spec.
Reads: 2h34
